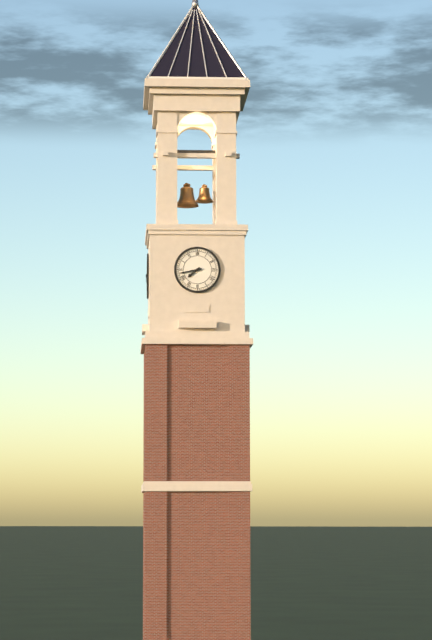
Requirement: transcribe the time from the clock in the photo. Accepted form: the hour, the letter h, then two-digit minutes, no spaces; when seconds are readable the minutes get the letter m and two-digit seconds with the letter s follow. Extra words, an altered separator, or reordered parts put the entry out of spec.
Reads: 7h43
